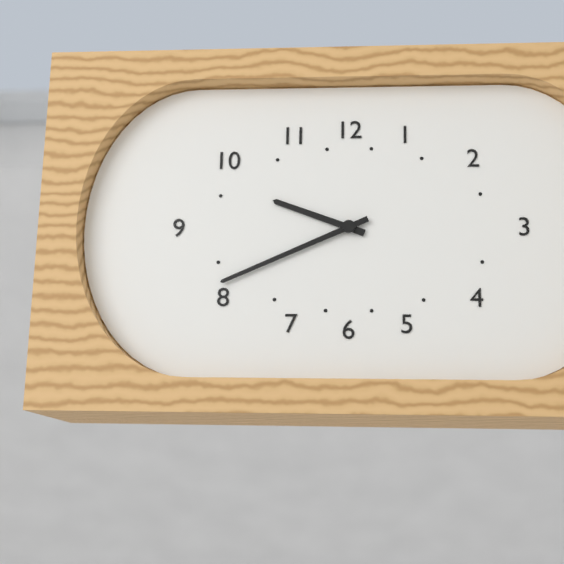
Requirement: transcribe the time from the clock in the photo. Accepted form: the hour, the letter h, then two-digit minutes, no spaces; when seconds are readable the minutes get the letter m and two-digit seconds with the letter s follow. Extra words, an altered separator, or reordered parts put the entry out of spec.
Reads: 9h41
